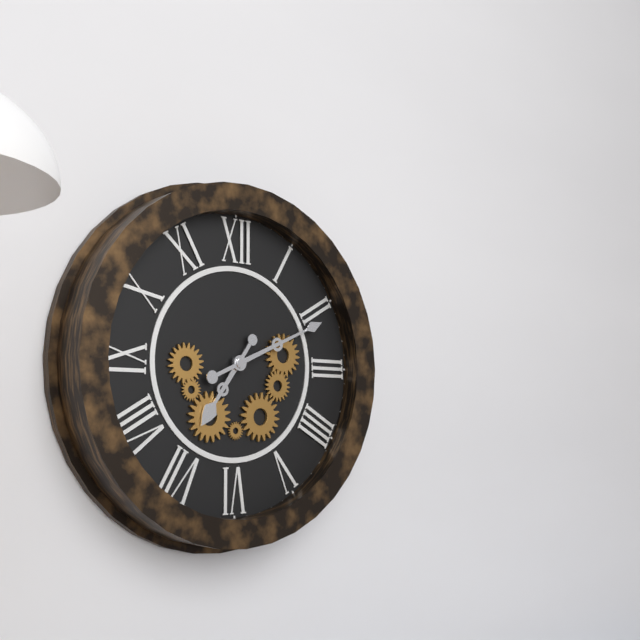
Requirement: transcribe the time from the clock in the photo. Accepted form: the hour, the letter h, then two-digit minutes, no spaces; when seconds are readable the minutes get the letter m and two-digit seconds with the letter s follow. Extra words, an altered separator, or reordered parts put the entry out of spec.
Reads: 7h11
